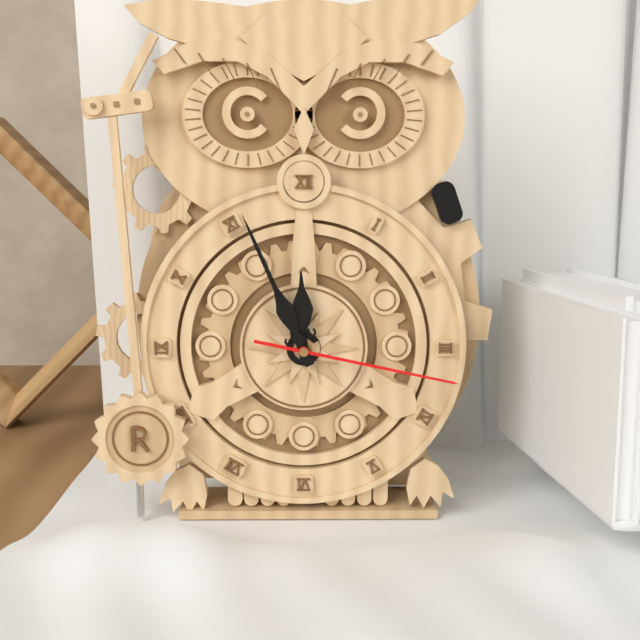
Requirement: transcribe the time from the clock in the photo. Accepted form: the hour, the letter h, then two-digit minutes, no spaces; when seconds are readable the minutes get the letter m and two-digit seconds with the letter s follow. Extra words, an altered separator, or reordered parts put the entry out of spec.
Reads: 11h56m17s
